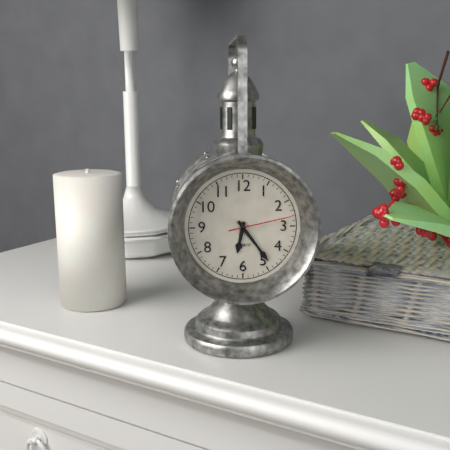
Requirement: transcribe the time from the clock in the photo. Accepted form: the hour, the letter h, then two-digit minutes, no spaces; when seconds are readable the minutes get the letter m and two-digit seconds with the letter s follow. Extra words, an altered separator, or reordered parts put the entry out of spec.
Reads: 6h24m13s
